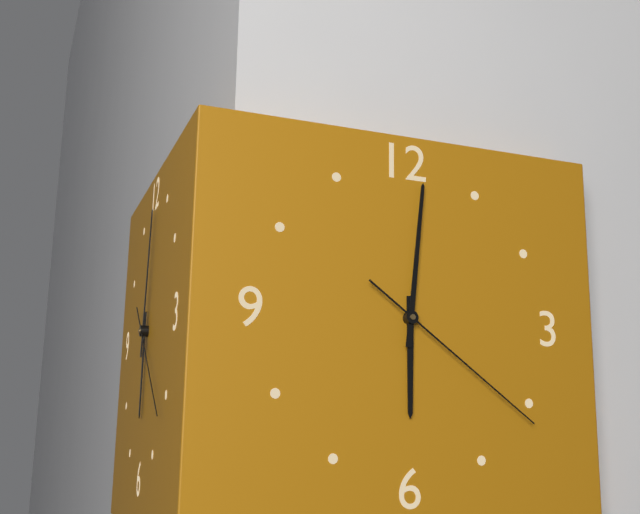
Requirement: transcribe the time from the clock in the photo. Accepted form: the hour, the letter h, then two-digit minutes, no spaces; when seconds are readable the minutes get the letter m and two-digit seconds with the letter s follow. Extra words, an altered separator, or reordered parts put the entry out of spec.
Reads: 6h01m21s
